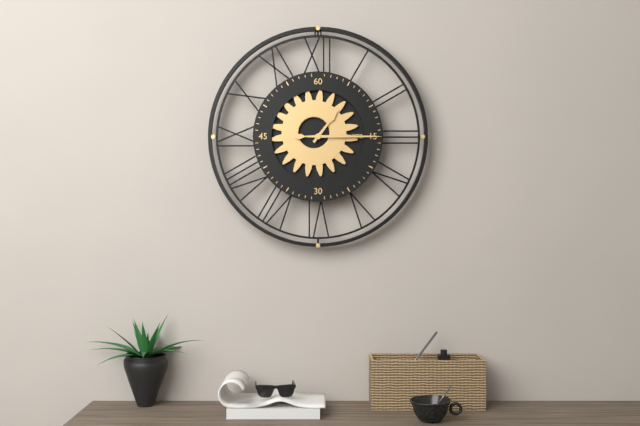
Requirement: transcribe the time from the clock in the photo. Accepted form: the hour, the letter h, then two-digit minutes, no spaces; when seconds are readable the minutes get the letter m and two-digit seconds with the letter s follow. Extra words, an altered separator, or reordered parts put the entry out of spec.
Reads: 1h15
